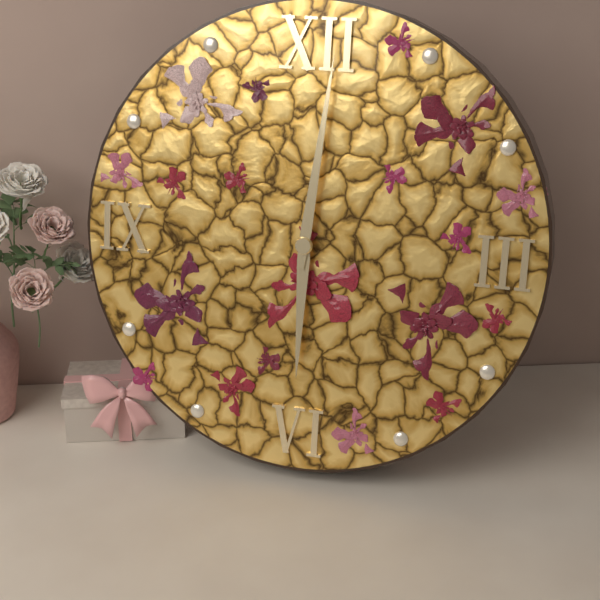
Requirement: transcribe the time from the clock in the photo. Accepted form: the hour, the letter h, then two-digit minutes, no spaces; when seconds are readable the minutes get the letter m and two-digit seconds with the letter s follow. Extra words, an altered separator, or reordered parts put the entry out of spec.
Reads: 6h01
